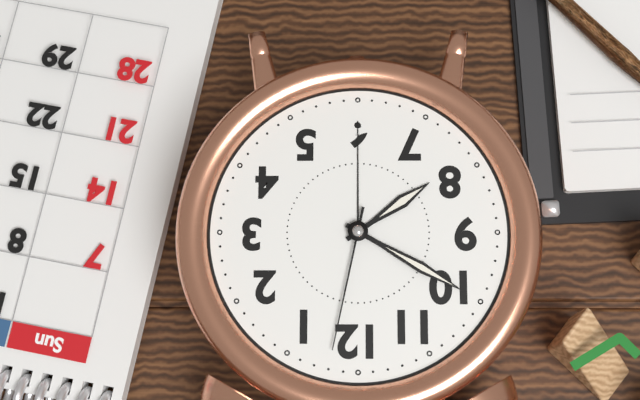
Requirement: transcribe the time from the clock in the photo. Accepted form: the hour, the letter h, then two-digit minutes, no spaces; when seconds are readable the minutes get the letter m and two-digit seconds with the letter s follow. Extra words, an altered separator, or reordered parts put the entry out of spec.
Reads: 7h50m02s
